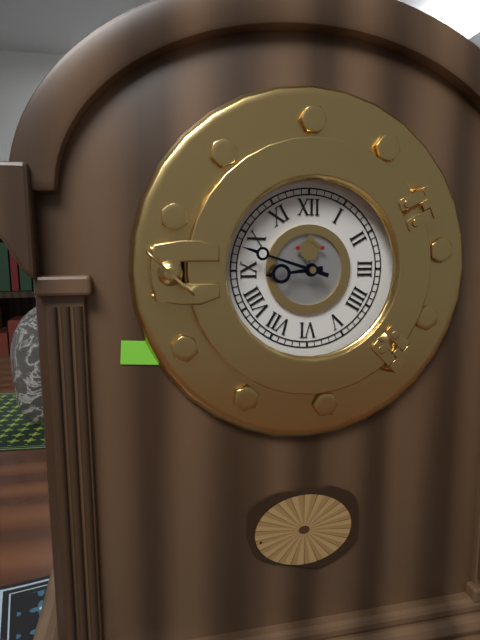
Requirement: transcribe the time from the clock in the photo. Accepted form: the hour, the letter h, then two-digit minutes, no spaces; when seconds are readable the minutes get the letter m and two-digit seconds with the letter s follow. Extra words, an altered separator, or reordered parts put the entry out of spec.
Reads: 8h48
